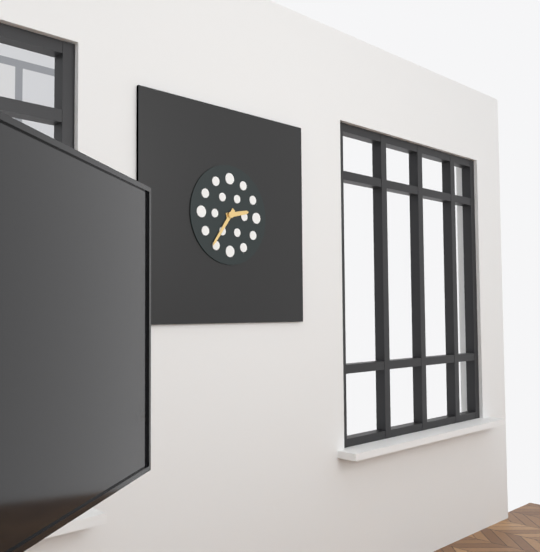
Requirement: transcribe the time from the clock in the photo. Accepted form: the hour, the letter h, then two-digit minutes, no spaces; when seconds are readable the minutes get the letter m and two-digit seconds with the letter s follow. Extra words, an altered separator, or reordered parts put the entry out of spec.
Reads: 2h36
